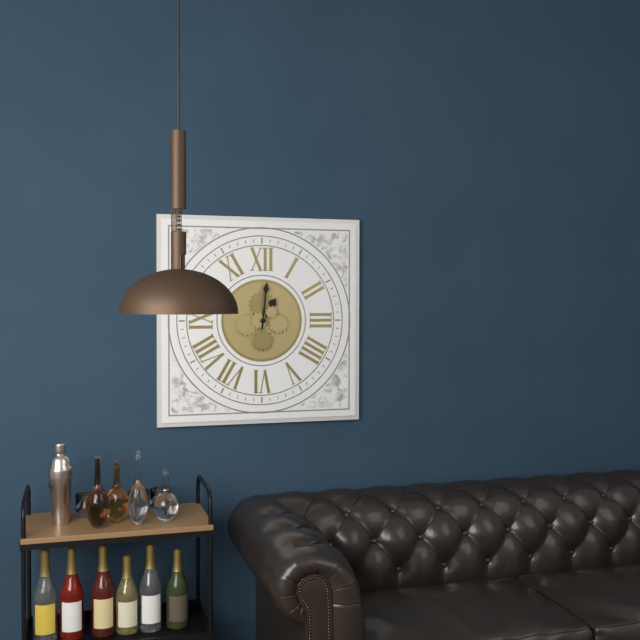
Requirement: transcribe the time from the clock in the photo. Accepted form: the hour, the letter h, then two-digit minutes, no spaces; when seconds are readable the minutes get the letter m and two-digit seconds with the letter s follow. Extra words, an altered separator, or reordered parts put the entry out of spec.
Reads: 1h01
